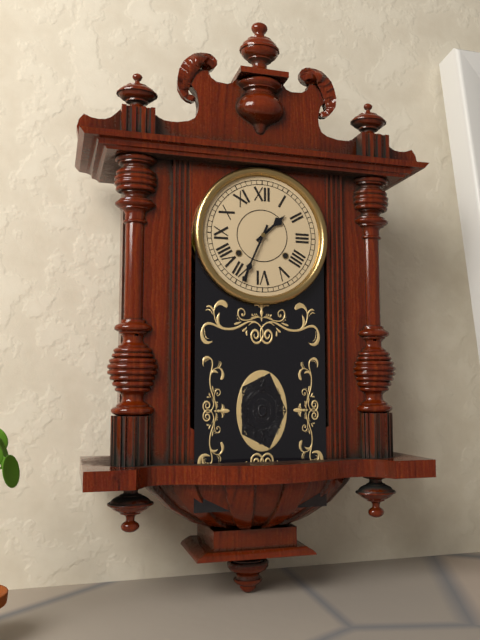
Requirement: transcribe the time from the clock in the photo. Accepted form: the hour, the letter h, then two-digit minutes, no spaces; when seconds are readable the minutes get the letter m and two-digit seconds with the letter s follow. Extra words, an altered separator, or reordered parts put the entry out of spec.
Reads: 1h34
